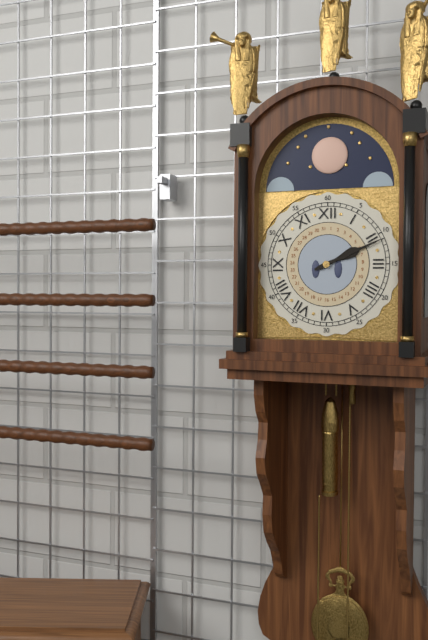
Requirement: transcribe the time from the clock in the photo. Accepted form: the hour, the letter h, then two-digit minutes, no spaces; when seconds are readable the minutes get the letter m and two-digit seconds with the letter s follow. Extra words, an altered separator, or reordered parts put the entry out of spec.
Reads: 2h11
